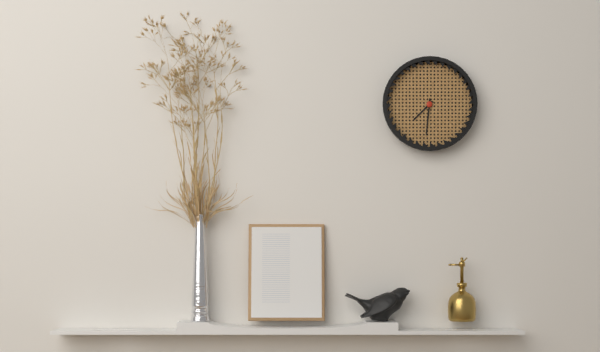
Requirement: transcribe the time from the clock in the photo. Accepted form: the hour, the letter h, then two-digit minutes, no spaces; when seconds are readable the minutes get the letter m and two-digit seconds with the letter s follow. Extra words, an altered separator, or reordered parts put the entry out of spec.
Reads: 7h31
